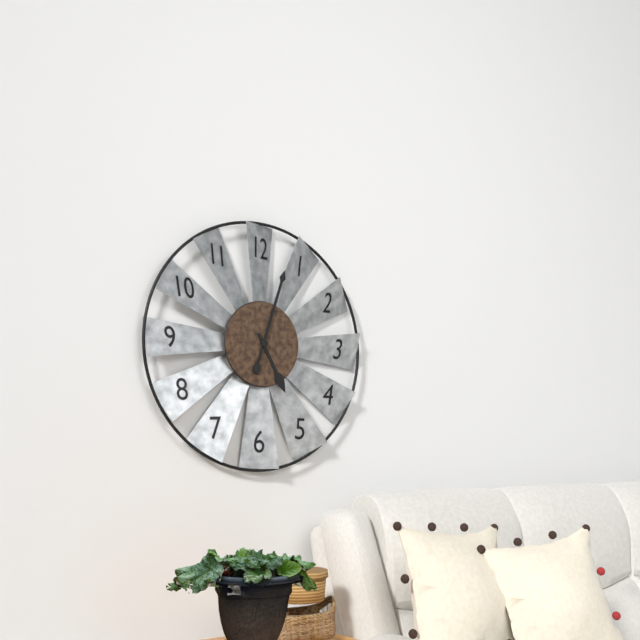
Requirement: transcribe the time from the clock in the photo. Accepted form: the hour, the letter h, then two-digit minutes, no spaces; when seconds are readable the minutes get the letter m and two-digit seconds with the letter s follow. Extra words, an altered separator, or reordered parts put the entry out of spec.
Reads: 5h03
